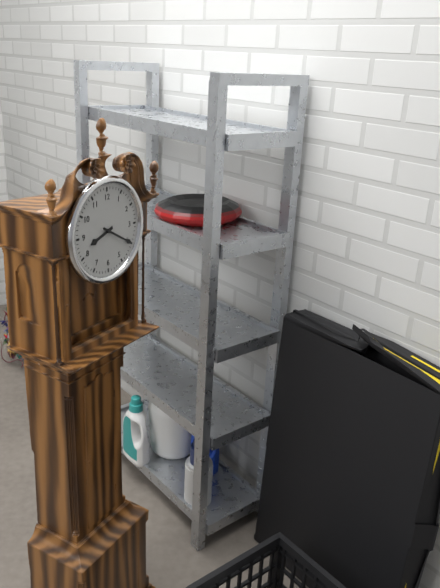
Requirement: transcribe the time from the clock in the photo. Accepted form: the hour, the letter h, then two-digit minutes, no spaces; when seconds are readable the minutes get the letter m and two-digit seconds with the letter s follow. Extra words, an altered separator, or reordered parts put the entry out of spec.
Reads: 8h20
